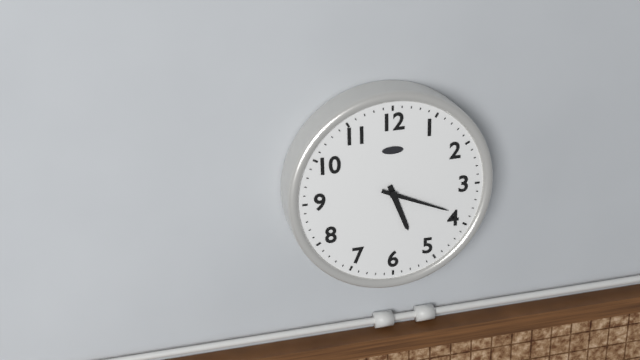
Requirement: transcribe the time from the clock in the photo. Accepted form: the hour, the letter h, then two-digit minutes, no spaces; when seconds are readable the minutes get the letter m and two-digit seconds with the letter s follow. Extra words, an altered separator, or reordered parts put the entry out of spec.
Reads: 5h19
